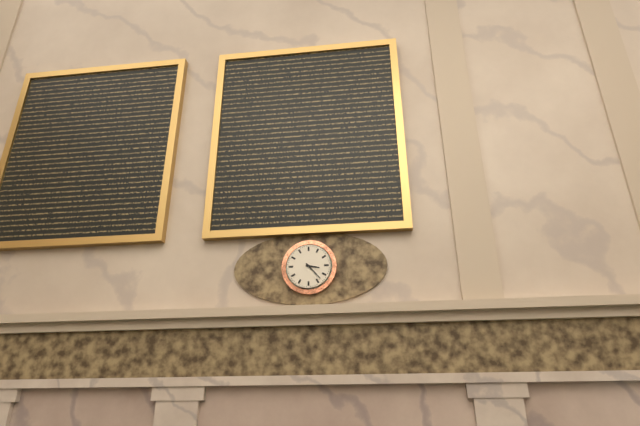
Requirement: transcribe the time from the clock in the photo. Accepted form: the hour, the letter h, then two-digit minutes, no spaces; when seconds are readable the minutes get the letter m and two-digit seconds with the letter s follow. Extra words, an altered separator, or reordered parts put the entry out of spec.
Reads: 3h23
